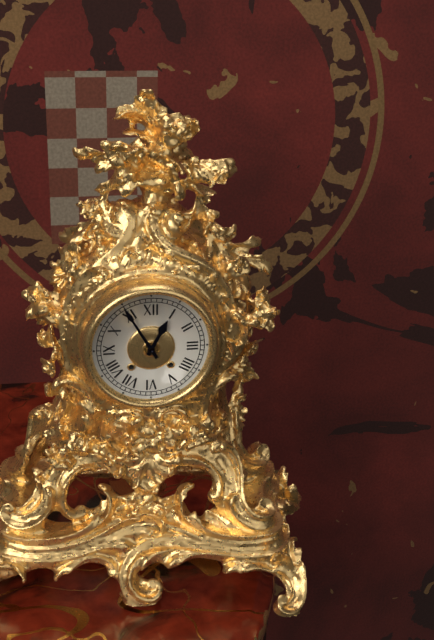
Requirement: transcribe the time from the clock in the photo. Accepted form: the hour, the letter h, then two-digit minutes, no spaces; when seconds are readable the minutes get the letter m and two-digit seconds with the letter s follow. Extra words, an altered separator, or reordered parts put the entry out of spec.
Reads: 12h55
